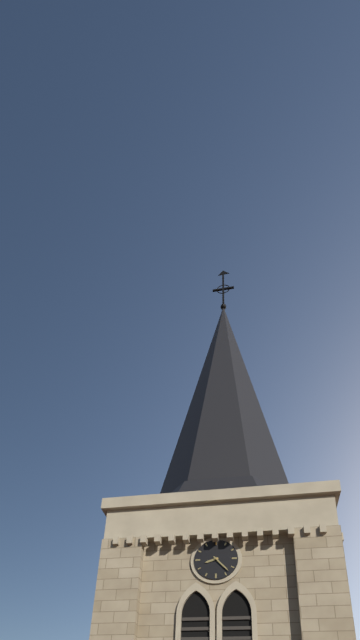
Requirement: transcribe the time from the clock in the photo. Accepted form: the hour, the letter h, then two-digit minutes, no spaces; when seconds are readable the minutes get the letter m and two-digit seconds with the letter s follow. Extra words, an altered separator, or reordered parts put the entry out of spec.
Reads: 8h23
